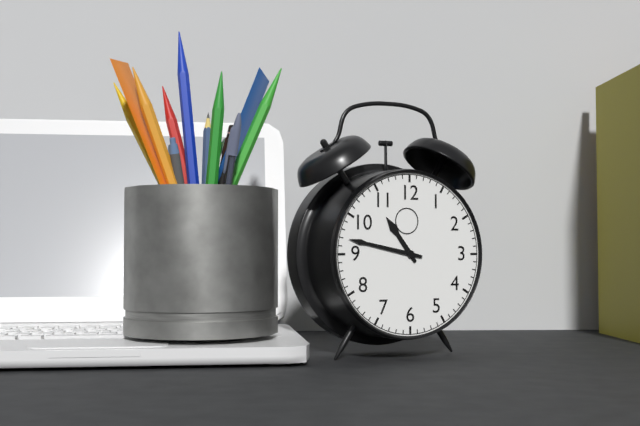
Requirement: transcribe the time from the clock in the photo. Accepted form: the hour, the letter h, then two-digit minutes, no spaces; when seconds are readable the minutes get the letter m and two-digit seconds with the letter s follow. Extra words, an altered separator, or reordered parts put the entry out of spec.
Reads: 10h47
